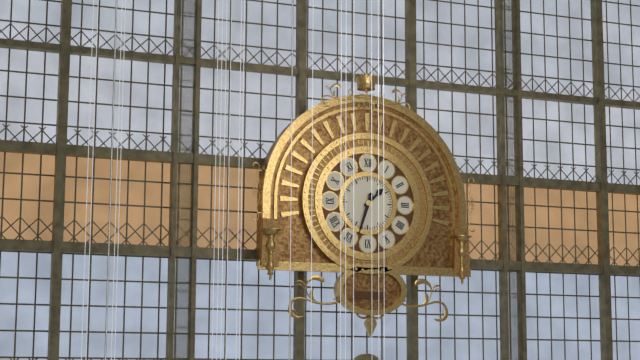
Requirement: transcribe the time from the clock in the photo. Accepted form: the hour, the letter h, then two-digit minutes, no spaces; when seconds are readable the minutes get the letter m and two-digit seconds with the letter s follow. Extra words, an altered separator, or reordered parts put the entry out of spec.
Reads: 1h33
